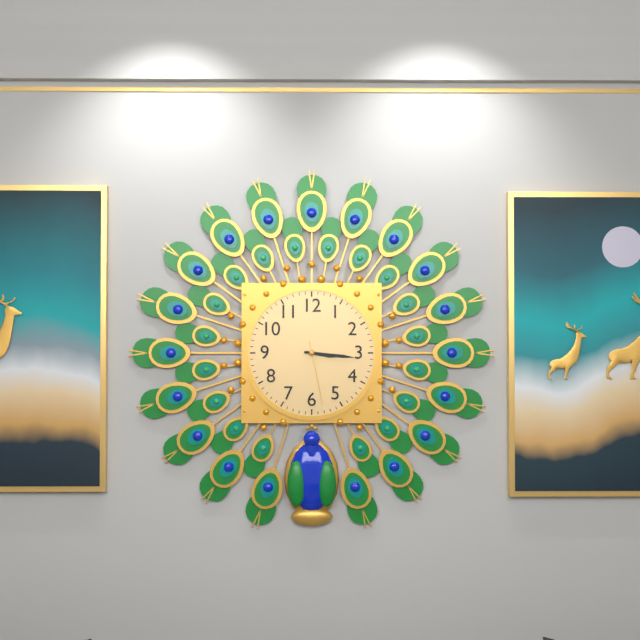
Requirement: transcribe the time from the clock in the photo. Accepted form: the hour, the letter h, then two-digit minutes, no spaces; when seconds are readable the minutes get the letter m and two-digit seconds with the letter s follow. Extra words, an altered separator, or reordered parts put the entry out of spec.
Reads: 3h16m28s
